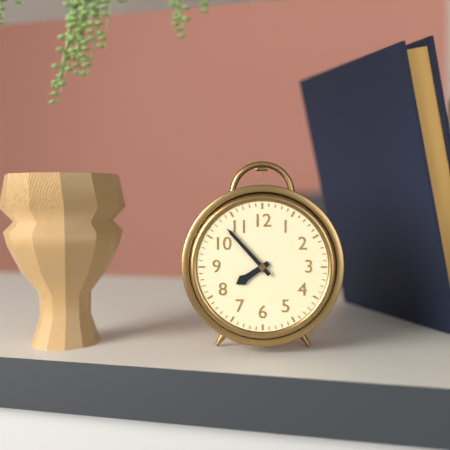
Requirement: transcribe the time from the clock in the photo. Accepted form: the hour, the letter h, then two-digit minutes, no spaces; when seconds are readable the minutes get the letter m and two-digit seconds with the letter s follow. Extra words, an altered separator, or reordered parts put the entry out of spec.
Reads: 7h53
